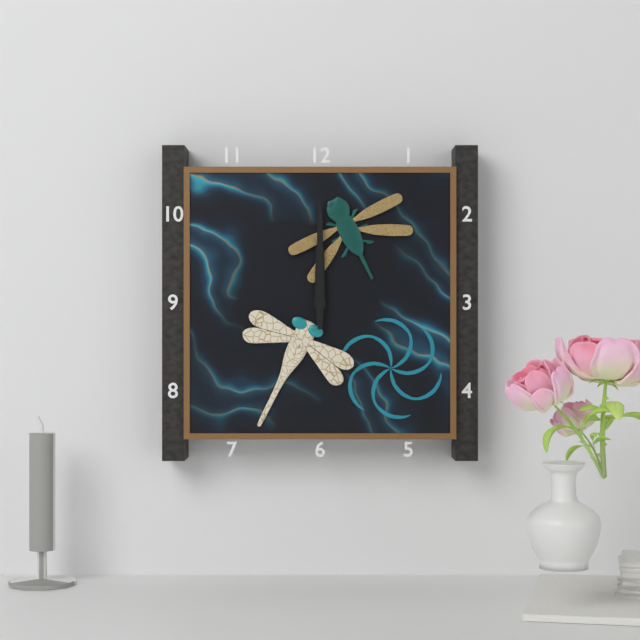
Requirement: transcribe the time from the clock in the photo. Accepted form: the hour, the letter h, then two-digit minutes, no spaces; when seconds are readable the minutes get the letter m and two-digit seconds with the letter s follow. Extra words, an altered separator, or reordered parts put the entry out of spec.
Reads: 12h00
